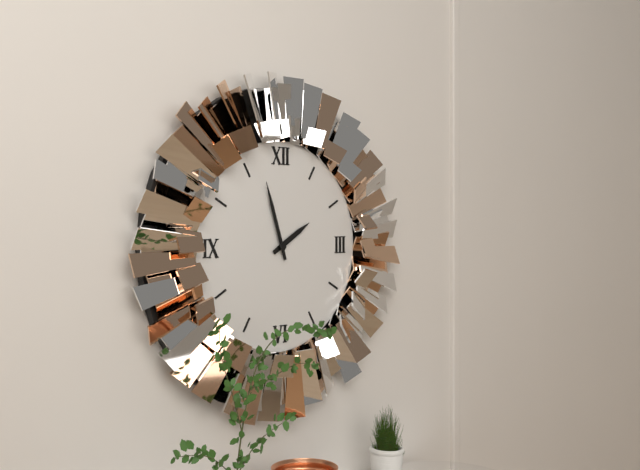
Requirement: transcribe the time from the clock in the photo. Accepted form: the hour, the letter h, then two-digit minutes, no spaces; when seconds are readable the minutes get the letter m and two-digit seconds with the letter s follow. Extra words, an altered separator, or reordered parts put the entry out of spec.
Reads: 1h57
